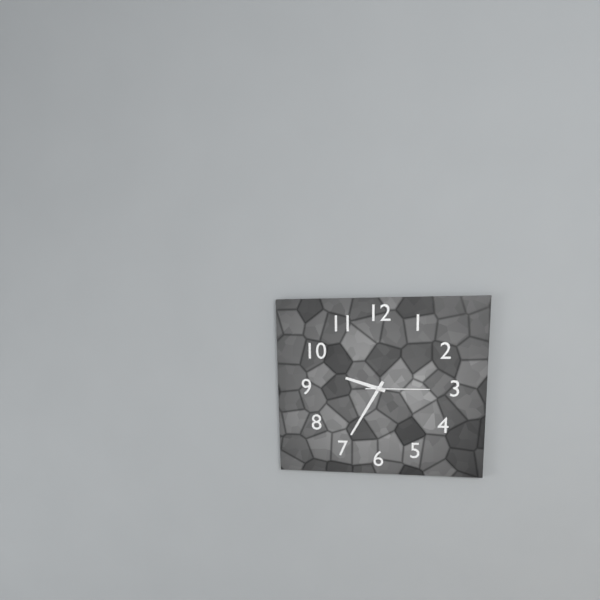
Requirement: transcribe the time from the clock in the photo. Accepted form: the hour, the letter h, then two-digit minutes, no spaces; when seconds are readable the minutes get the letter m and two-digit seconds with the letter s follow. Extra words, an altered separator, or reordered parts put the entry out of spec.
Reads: 9h35m15s
